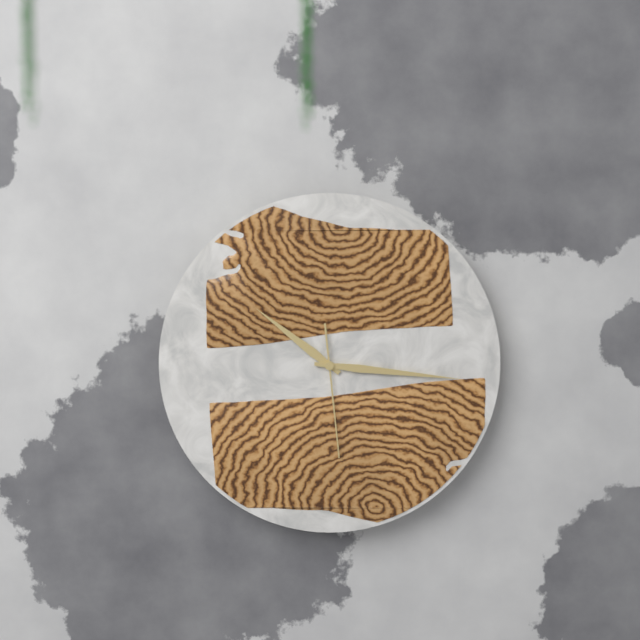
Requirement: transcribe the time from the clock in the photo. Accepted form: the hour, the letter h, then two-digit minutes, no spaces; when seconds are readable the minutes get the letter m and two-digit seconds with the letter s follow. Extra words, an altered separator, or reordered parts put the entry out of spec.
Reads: 10h16m29s
